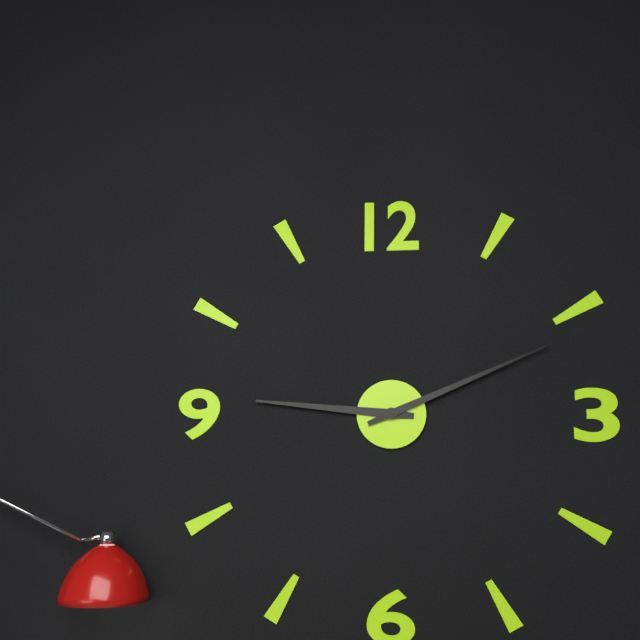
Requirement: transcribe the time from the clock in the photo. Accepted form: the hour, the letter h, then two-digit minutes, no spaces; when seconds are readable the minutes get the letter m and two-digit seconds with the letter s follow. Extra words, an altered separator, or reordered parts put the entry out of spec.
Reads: 9h11
